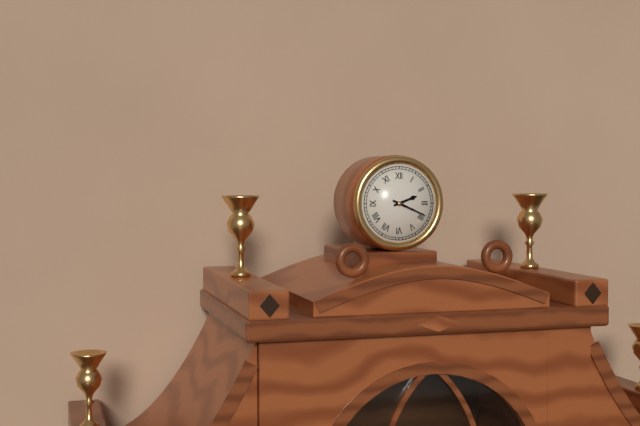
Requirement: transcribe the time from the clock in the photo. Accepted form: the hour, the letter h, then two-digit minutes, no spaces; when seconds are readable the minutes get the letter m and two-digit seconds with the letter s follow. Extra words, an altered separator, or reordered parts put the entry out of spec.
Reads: 2h19
